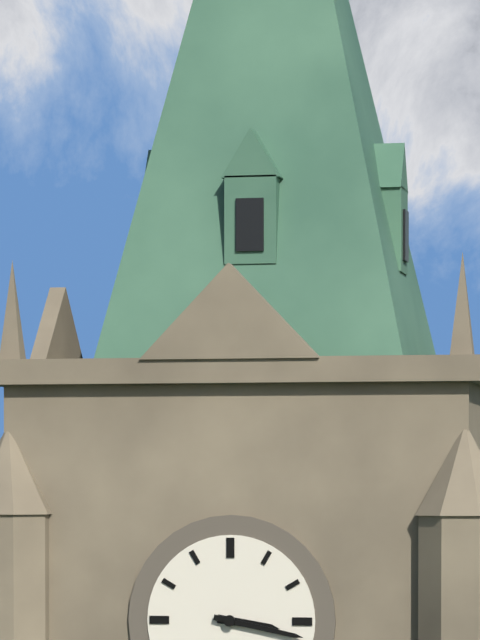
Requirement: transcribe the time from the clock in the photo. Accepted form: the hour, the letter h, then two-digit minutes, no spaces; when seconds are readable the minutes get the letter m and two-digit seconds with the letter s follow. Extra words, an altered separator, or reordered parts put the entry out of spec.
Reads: 3h17
